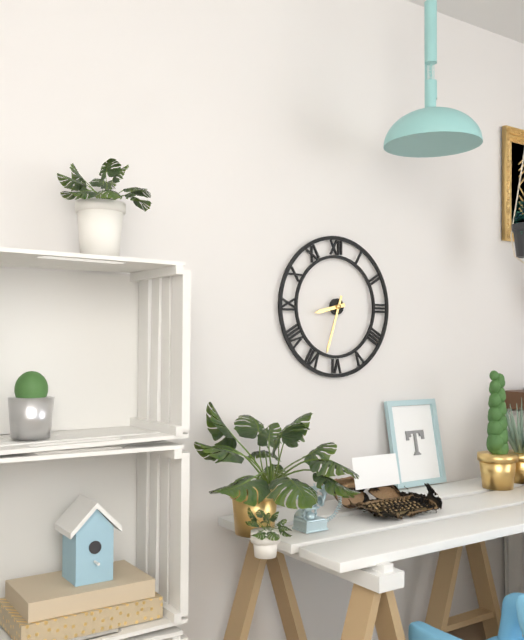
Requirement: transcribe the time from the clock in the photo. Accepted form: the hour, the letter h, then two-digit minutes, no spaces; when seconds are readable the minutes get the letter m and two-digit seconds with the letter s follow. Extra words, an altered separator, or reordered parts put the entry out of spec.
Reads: 8h33
